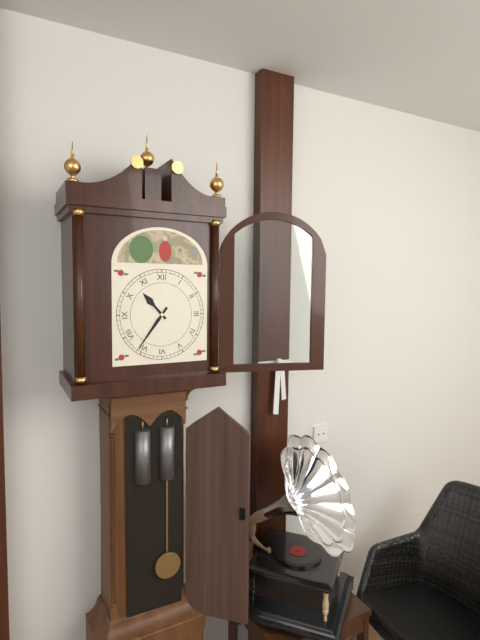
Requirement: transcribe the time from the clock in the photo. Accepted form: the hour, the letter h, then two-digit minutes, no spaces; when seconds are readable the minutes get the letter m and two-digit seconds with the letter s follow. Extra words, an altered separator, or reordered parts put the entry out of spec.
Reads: 10h36
